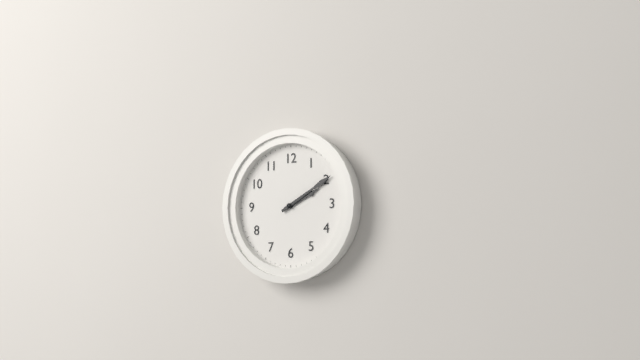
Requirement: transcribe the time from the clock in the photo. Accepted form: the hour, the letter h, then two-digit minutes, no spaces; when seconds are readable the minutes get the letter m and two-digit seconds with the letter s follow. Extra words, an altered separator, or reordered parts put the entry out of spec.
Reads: 2h10
